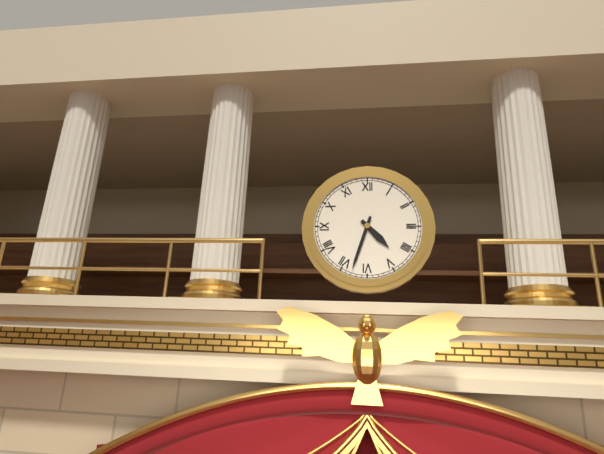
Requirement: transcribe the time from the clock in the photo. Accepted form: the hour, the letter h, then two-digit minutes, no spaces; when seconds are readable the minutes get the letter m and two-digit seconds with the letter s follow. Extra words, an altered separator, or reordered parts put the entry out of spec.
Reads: 4h33
